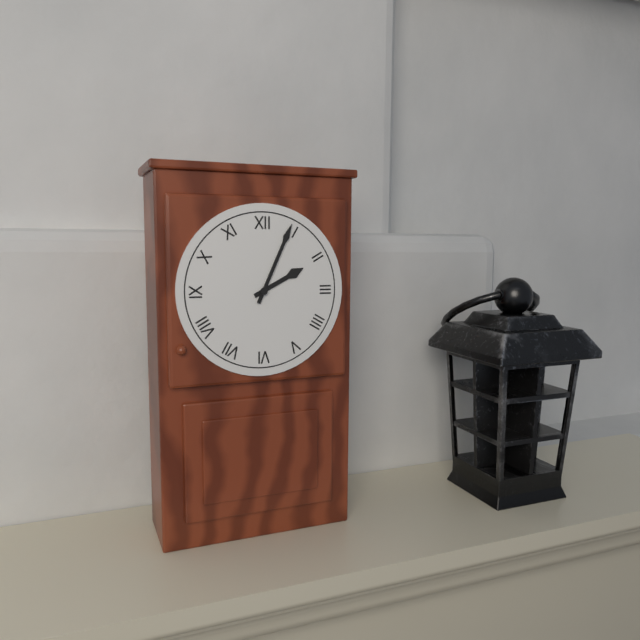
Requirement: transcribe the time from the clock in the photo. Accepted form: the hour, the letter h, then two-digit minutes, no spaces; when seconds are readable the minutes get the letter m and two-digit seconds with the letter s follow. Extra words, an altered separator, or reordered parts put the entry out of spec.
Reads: 2h04
